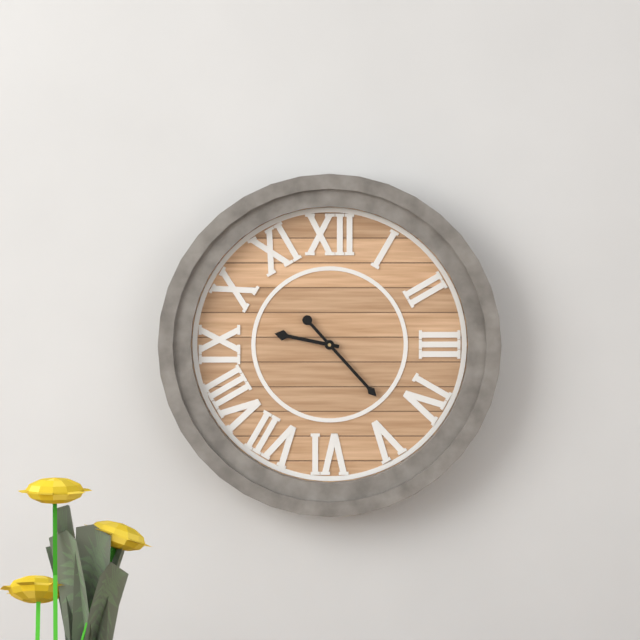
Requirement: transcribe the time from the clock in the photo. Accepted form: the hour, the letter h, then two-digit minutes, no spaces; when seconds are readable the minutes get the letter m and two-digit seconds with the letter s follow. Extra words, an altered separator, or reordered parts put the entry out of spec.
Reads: 9h23
